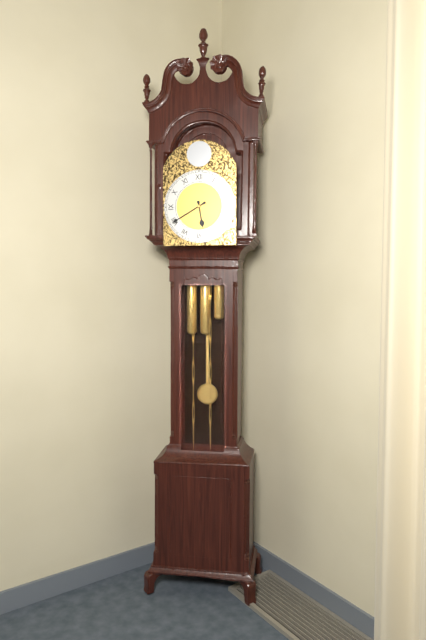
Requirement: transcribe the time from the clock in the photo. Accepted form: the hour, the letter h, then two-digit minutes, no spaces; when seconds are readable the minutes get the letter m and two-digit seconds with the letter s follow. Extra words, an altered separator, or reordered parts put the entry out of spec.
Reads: 5h40
